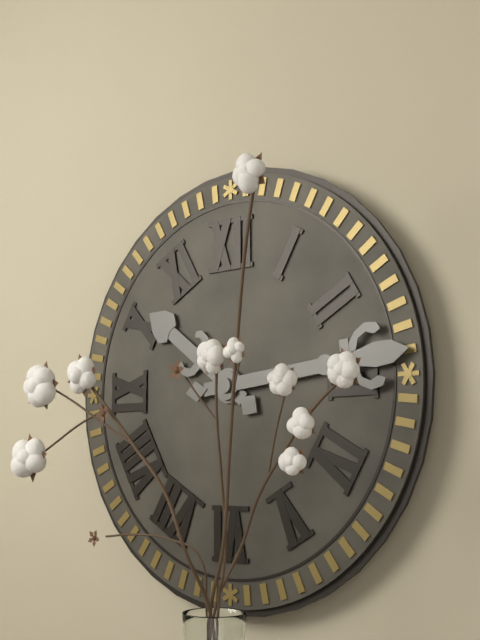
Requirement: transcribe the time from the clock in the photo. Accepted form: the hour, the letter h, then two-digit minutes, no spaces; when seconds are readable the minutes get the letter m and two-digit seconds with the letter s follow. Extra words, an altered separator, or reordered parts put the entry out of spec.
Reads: 10h14
